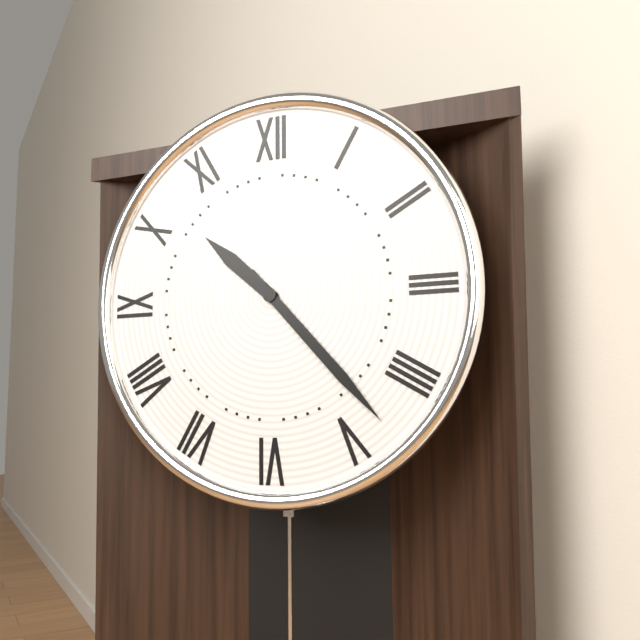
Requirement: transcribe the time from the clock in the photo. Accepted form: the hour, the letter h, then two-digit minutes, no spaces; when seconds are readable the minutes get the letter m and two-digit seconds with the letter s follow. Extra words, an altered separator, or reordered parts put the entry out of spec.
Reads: 10h23
